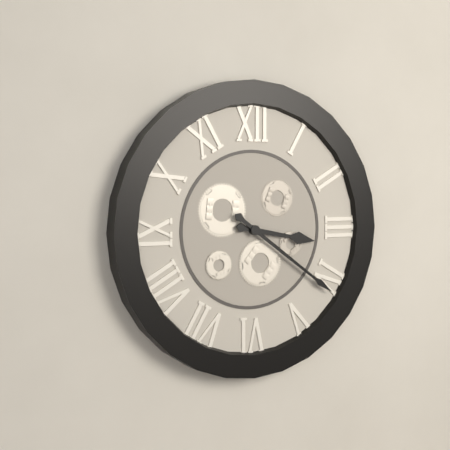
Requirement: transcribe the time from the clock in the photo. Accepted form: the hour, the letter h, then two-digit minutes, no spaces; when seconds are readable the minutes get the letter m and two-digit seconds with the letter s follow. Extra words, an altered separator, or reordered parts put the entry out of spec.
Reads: 3h21
